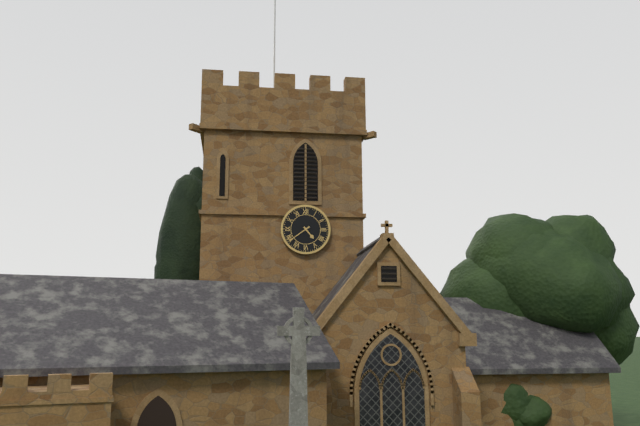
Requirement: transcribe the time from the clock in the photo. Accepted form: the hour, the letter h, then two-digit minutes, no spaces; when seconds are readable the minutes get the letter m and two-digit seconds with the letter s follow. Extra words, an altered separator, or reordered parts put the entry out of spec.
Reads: 4h39
